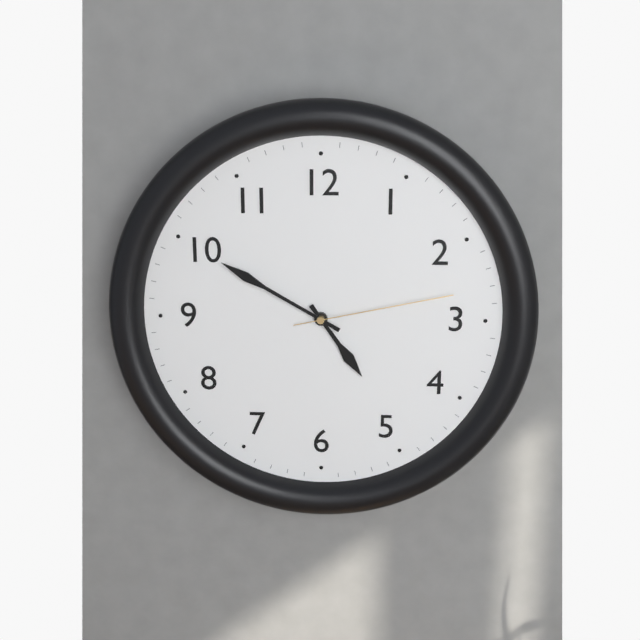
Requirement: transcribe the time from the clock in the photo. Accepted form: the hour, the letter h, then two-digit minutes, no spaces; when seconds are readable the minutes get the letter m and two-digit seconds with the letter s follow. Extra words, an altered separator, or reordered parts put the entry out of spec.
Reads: 4h50m13s
